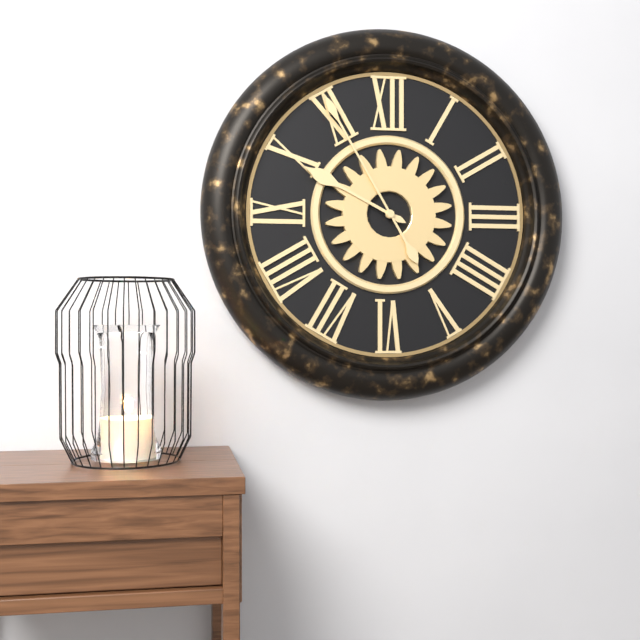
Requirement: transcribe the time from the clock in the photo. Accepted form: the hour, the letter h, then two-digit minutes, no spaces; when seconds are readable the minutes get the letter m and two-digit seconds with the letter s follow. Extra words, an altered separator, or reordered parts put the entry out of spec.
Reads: 9h55
